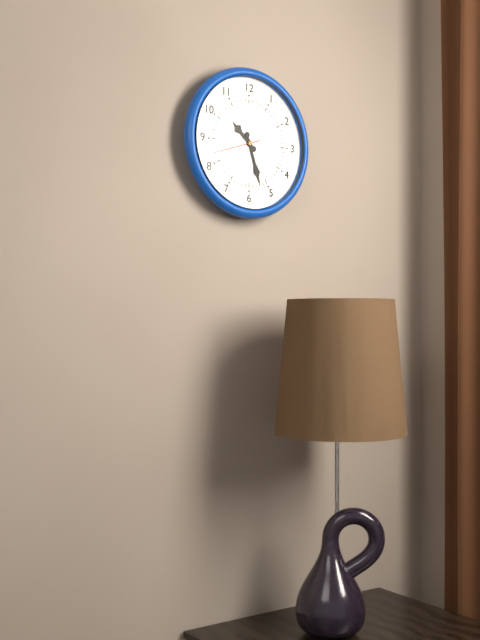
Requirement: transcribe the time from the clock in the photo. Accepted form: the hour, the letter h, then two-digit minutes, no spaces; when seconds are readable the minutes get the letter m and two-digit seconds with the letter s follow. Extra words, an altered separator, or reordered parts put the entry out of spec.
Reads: 10h27
